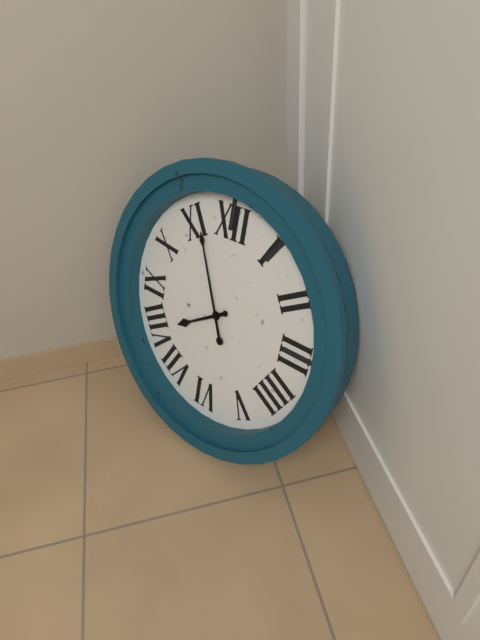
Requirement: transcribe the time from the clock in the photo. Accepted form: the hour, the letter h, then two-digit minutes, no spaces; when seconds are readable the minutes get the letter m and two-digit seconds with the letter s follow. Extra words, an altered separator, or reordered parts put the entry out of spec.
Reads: 7h56
